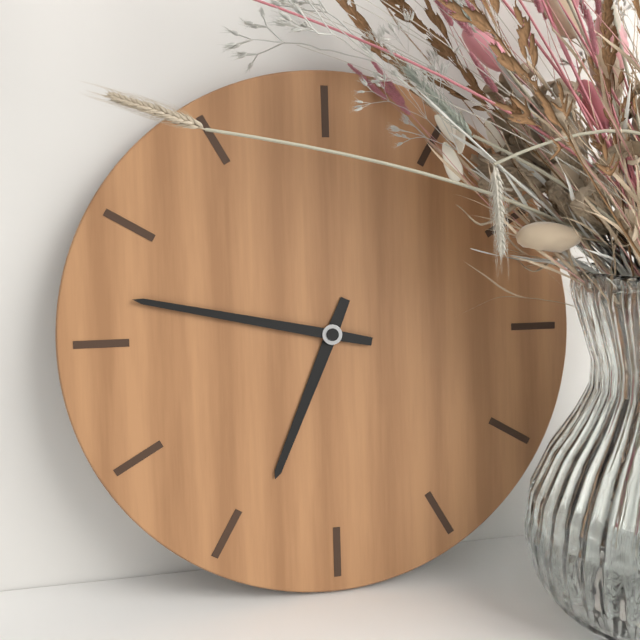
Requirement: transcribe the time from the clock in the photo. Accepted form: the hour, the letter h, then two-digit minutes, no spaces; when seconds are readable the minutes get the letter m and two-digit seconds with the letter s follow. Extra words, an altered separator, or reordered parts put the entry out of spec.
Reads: 6h47
